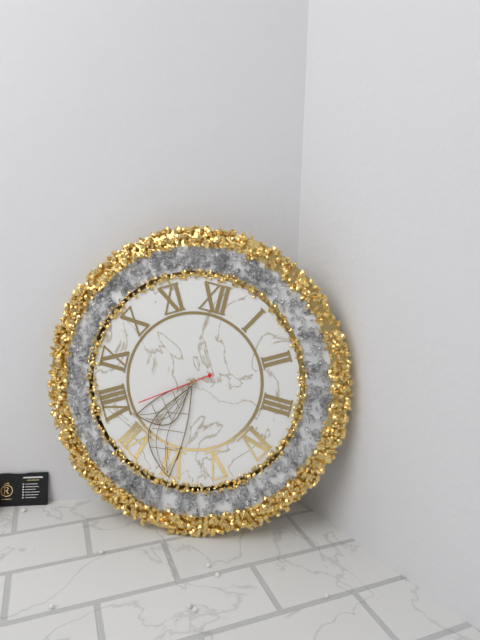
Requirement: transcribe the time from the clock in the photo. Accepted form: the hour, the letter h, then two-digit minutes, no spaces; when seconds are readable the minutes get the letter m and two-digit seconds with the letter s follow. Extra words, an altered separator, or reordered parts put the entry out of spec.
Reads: 7h30m39s
